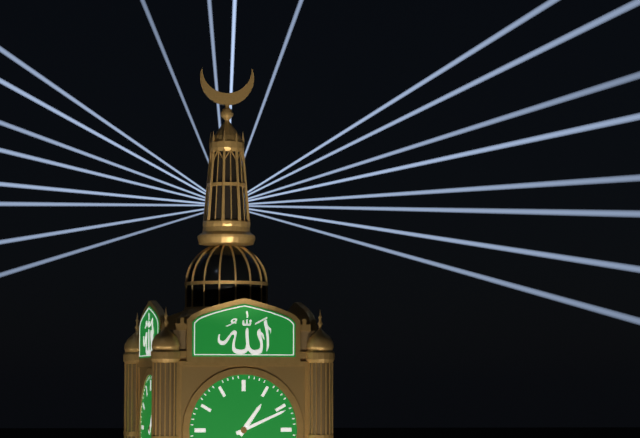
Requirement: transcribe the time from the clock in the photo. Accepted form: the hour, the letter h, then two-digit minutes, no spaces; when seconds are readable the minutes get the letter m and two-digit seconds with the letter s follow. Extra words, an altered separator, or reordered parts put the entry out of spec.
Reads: 1h11
